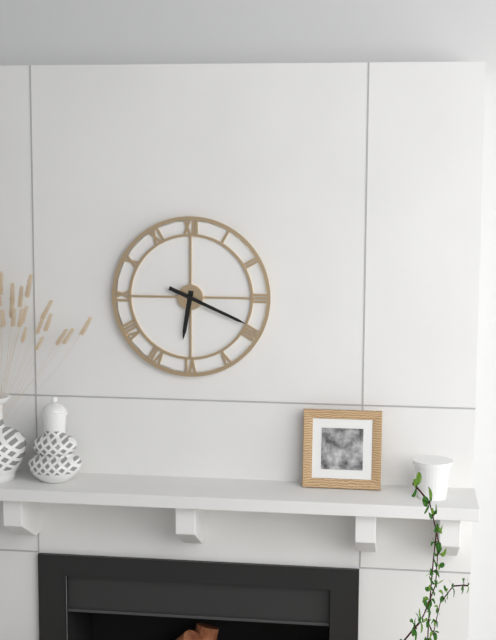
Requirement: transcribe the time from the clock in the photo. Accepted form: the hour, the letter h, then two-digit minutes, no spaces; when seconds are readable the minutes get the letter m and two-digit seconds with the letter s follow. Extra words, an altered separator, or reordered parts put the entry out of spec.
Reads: 6h19
